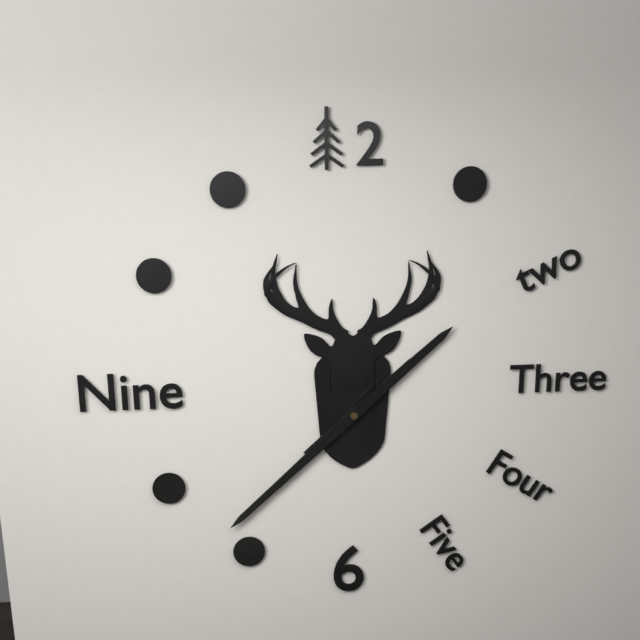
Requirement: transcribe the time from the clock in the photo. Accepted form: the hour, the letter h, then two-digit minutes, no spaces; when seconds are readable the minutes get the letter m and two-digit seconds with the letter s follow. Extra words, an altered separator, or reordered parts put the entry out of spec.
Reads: 1h38
